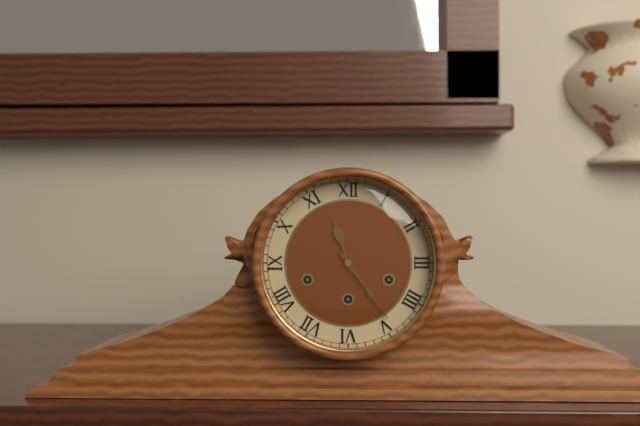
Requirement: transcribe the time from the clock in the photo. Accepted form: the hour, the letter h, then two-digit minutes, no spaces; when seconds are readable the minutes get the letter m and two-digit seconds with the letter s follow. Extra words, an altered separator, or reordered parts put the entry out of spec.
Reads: 11h24
